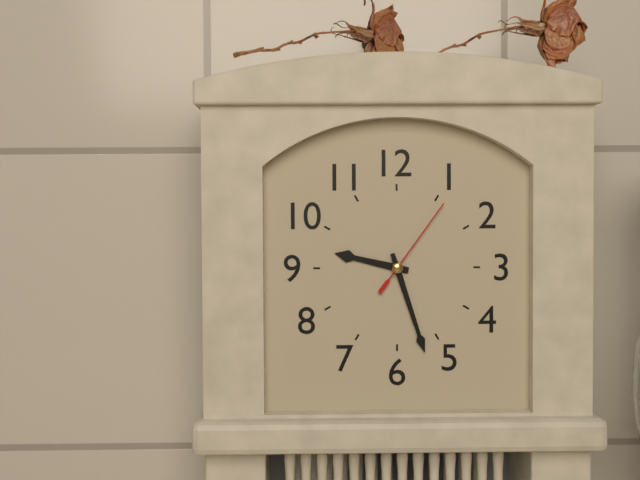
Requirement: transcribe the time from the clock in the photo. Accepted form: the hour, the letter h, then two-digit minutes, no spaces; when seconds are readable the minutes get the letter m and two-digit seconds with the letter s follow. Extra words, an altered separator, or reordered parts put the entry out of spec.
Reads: 9h27m06s
